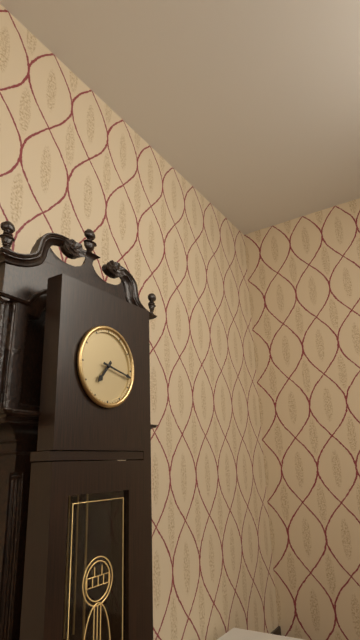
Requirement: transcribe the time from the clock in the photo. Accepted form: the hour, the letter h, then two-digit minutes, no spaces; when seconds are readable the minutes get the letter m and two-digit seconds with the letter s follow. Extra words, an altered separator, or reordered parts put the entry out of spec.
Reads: 7h17
